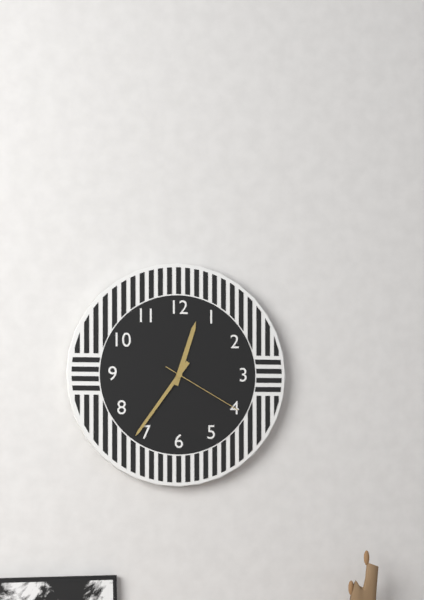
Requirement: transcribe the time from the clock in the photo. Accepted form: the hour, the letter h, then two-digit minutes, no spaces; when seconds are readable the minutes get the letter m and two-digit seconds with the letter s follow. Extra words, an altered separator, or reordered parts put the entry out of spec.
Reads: 12h36m20s
